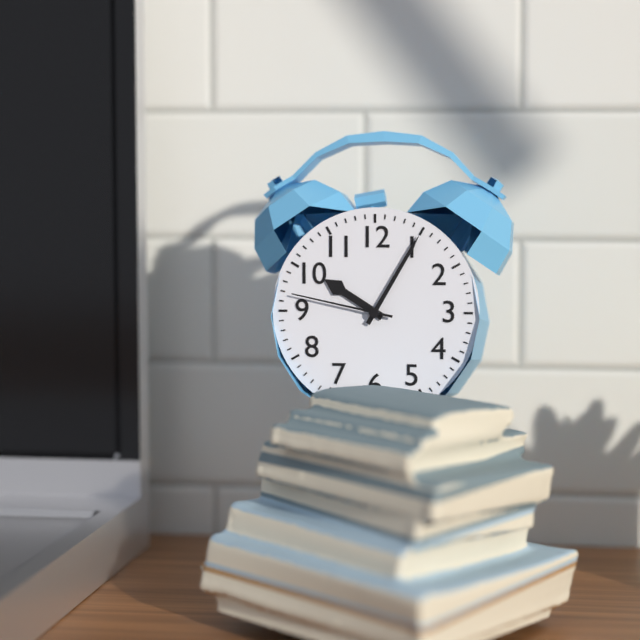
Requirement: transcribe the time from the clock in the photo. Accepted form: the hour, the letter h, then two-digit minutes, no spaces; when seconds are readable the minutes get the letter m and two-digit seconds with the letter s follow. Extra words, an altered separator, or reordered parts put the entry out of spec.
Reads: 10h05m47s
